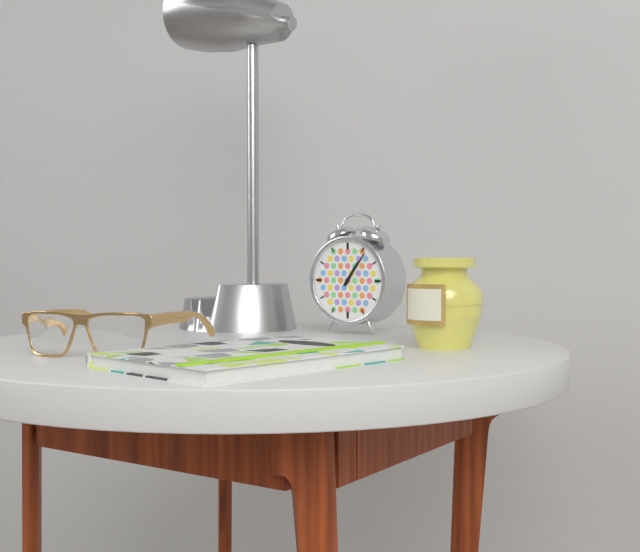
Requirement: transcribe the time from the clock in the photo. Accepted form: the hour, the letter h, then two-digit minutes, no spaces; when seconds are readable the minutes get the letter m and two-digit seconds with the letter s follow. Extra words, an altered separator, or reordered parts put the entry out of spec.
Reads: 1h06
